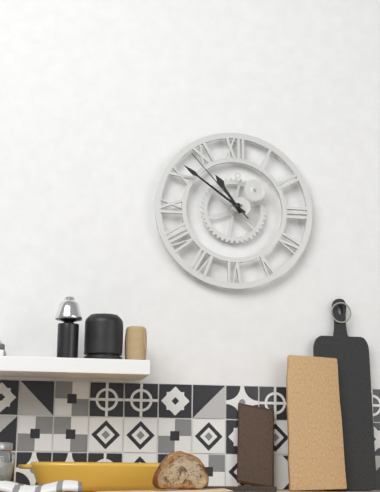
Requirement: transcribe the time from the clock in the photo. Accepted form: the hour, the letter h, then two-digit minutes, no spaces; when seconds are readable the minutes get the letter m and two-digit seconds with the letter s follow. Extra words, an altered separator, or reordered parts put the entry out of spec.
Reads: 10h51m53s
